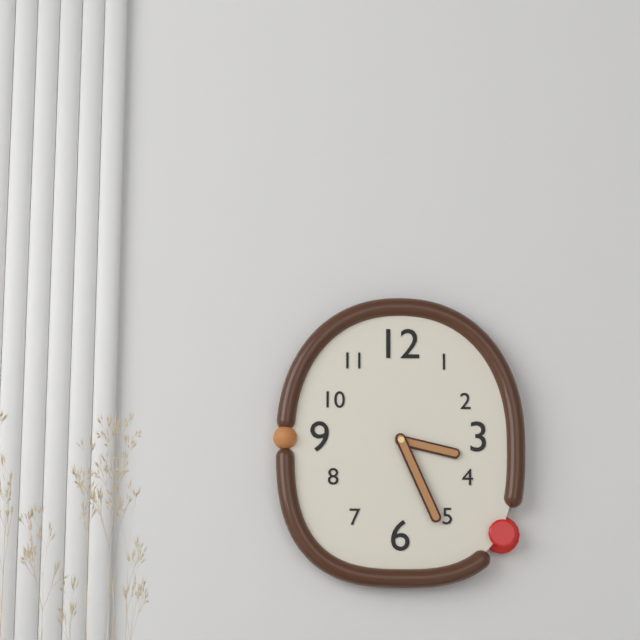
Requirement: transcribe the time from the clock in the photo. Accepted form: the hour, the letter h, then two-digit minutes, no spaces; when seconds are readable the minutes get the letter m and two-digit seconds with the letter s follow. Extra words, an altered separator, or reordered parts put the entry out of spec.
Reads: 3h26
